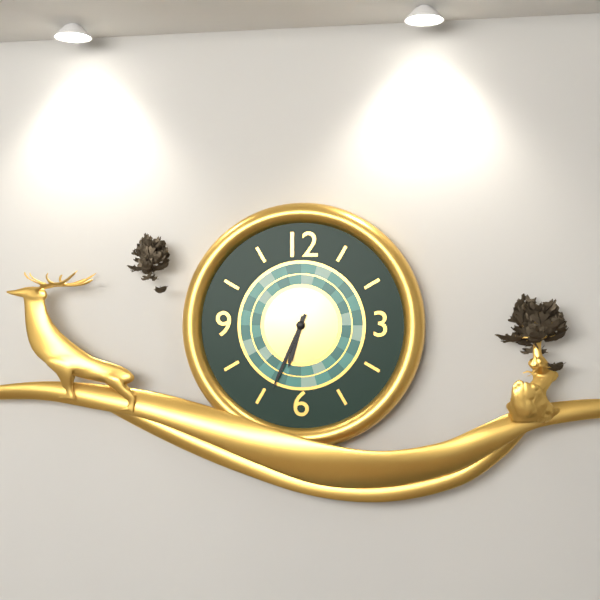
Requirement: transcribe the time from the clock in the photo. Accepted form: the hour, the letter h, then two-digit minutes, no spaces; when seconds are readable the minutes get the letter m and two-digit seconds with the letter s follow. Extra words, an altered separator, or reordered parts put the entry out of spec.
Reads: 6h34
